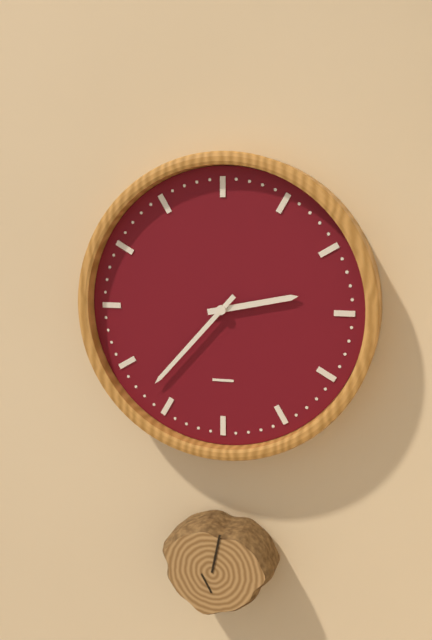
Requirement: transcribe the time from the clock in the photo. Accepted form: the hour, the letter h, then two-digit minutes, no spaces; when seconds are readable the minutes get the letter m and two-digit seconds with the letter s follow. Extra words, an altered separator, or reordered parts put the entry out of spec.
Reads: 2h37
